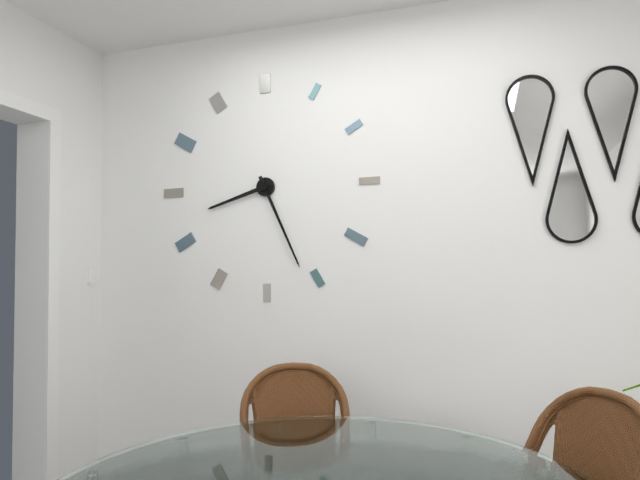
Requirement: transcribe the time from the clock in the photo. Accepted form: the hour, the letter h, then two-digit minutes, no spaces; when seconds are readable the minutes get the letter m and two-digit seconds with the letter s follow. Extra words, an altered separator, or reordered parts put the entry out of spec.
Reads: 8h26
